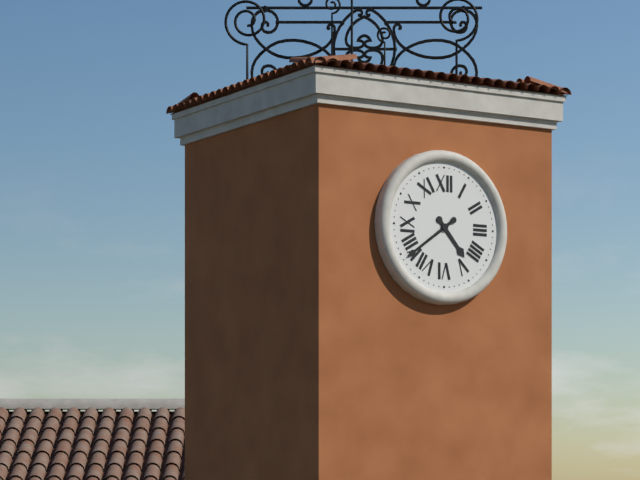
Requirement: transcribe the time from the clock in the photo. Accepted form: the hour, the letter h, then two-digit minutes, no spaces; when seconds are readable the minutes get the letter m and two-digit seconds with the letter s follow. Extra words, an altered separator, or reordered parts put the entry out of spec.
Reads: 4h39
